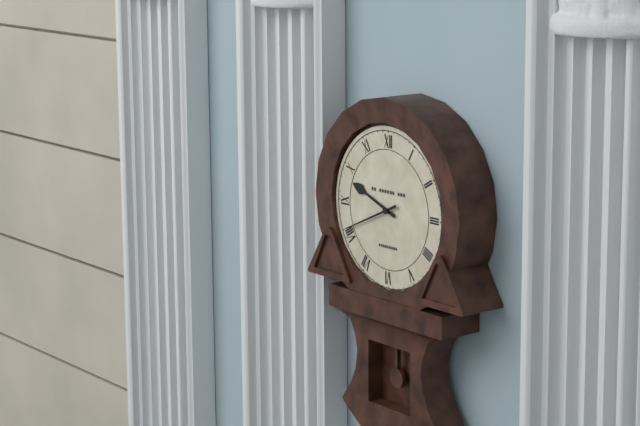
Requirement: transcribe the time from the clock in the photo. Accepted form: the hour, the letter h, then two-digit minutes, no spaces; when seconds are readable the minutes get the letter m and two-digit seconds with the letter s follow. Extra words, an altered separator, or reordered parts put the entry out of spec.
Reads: 9h41
